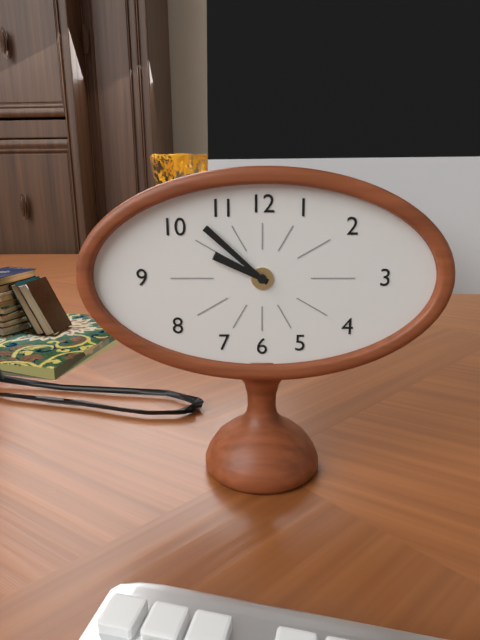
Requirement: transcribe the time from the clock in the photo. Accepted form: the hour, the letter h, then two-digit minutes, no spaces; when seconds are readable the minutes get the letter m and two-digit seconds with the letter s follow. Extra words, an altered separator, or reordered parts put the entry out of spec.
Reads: 9h52
